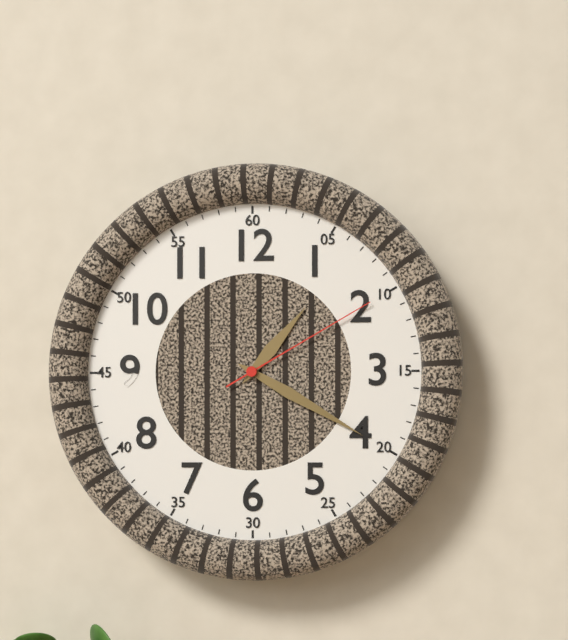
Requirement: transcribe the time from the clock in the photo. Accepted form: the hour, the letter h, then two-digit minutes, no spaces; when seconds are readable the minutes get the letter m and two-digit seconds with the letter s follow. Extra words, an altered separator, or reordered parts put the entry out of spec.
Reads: 1h20m10s
